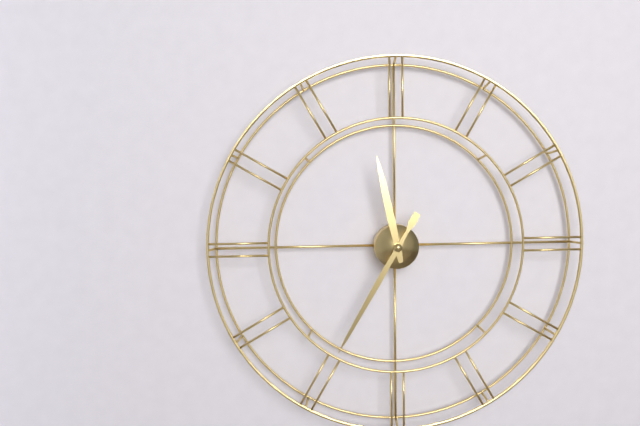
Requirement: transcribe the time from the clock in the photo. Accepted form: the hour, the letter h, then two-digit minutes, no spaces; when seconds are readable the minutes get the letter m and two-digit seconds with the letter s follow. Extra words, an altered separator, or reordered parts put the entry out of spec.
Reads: 11h35
